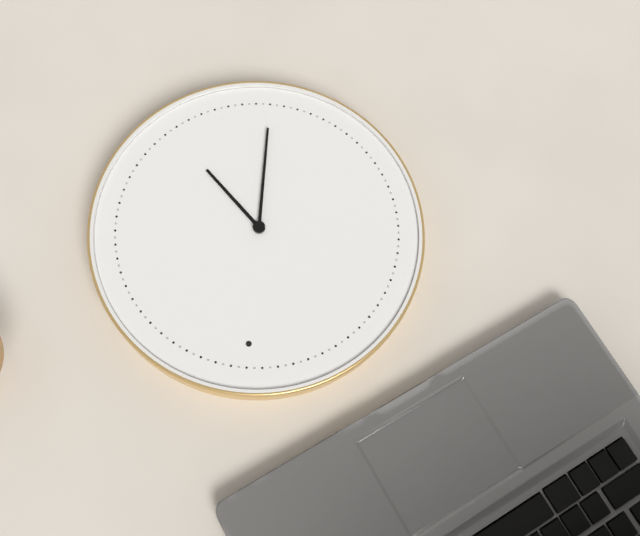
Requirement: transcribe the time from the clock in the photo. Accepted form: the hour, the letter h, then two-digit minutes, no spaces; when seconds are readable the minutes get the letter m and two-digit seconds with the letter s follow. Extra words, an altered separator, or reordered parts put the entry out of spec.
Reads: 4h30
